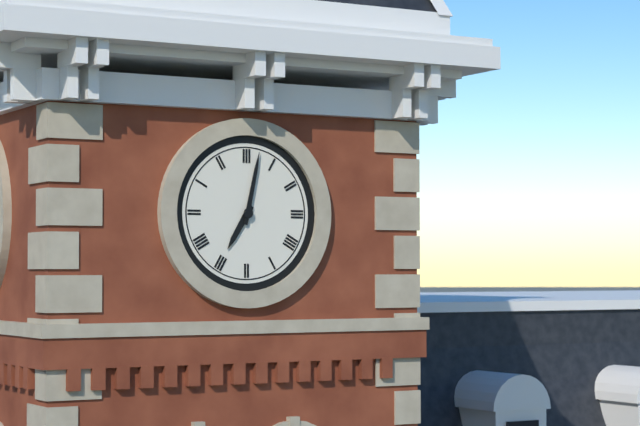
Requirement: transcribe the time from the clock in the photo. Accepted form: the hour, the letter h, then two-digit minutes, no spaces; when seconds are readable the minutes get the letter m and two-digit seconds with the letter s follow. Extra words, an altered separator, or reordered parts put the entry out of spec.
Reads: 7h02
